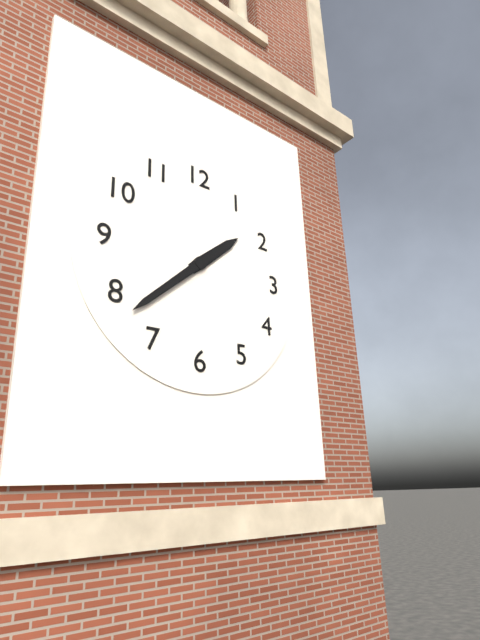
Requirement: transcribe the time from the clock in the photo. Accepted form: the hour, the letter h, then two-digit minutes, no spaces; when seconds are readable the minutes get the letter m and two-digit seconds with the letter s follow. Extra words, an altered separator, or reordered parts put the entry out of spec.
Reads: 1h38
